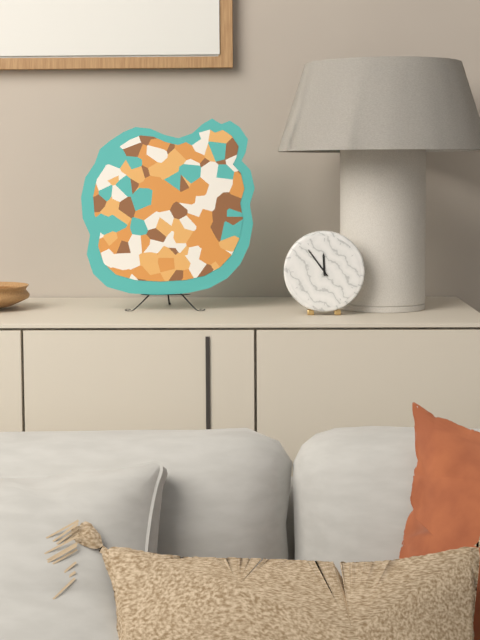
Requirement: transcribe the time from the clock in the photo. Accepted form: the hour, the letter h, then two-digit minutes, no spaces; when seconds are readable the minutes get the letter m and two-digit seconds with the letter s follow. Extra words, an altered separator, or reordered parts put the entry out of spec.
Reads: 11h54
